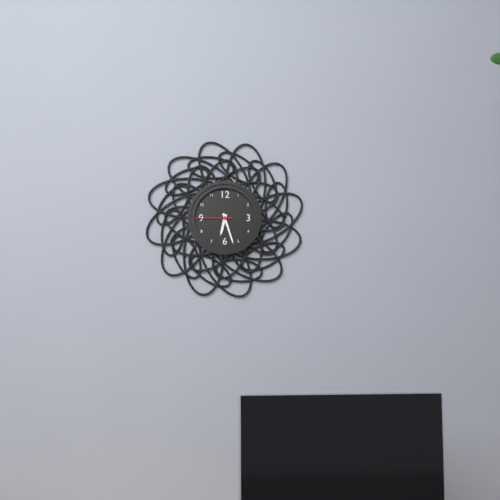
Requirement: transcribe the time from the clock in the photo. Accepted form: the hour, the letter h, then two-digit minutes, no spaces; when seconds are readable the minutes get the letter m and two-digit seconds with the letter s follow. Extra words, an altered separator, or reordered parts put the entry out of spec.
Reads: 6h27
